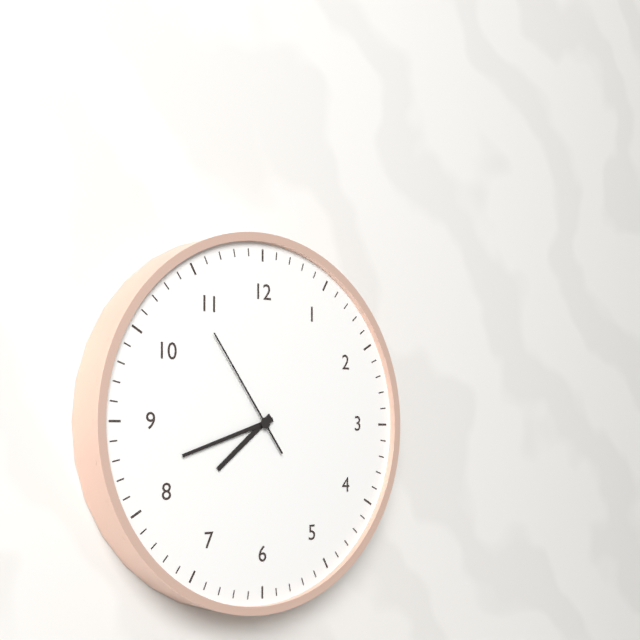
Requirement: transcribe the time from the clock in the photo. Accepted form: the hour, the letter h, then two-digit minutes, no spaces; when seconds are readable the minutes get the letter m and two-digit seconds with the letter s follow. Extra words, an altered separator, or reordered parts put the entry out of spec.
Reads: 7h42m54s
